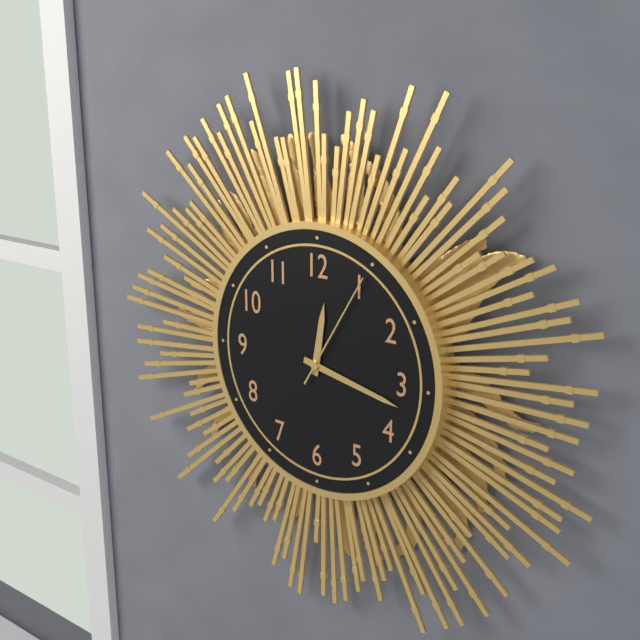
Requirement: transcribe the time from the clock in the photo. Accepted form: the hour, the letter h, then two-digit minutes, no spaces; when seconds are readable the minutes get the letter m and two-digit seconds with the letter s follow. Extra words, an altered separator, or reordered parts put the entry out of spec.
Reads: 12h17m05s
